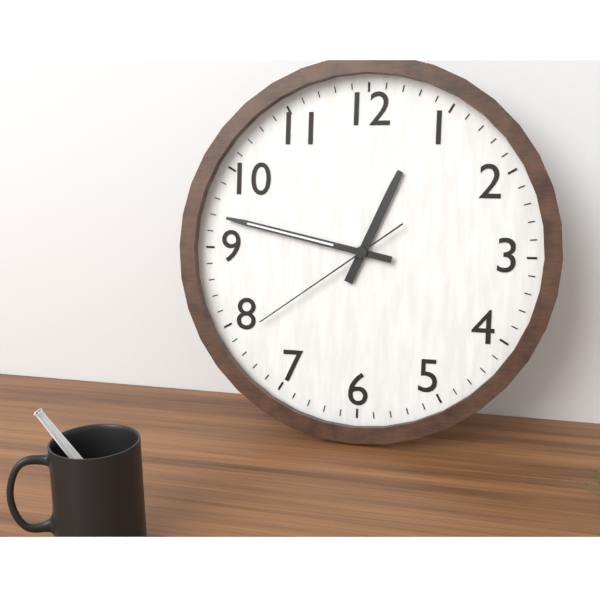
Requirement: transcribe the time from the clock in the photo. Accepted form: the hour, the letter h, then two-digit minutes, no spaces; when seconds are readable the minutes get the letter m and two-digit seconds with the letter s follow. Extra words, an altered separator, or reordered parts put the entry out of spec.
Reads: 12h47m39s
